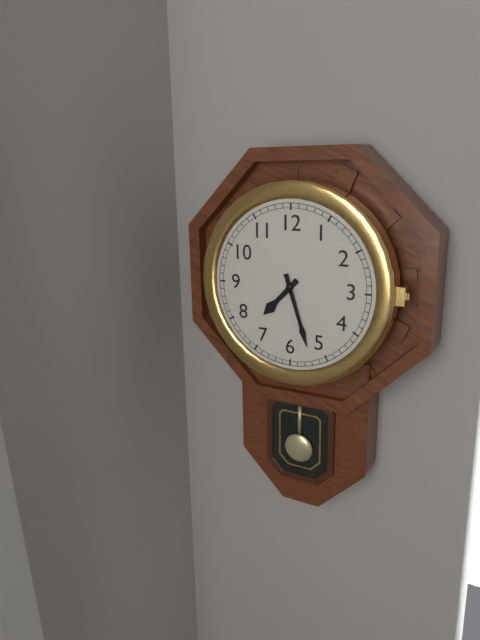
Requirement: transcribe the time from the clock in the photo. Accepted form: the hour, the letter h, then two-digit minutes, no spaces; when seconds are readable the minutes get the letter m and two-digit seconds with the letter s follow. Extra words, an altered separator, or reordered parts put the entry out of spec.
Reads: 7h27
